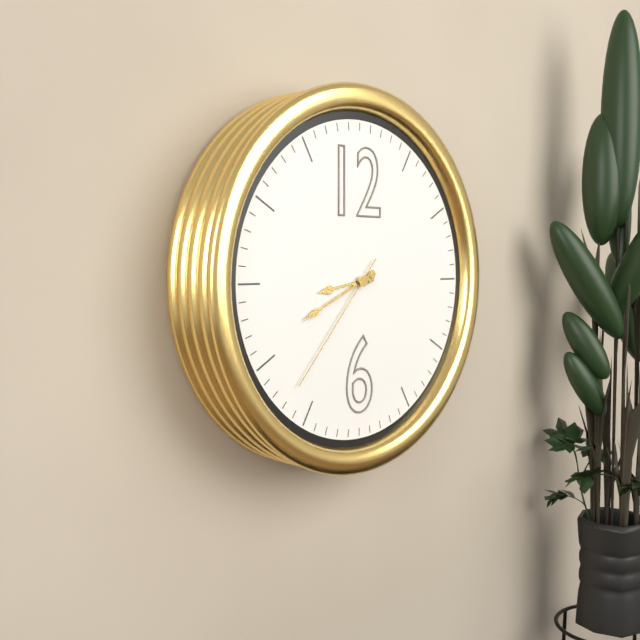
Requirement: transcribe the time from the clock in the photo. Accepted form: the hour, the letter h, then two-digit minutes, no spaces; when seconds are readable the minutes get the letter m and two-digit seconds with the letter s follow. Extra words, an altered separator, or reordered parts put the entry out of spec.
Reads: 8h41m37s
